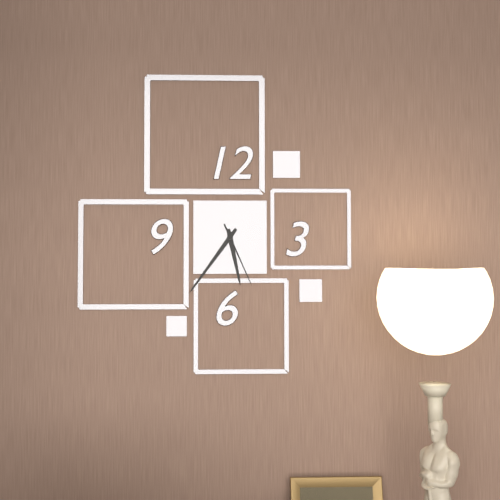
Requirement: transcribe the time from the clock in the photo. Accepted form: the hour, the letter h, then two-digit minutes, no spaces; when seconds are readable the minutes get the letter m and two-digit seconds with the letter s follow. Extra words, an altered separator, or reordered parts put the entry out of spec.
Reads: 5h36m26s
